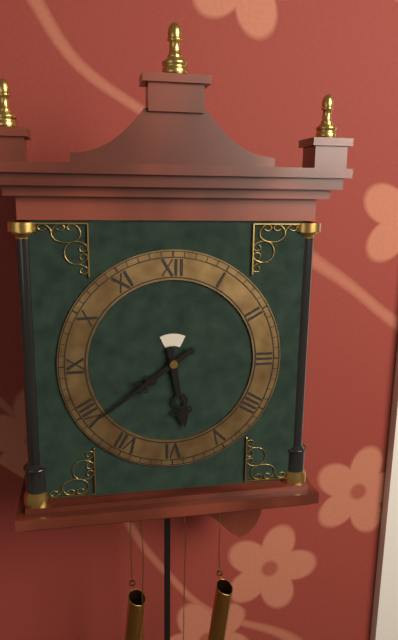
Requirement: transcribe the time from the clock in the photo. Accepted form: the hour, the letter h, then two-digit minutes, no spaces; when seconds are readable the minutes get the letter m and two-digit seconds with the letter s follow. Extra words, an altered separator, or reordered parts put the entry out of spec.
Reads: 5h39
